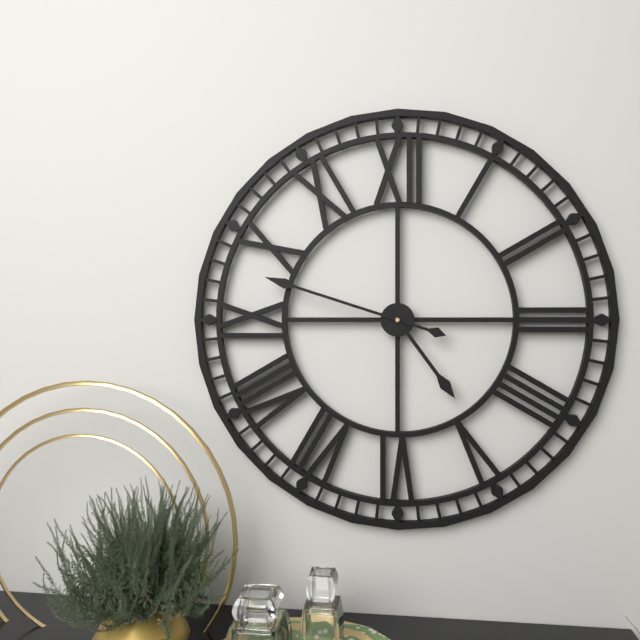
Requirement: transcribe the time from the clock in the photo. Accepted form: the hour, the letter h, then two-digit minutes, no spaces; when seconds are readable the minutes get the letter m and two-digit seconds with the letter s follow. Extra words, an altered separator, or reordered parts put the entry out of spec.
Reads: 4h48
